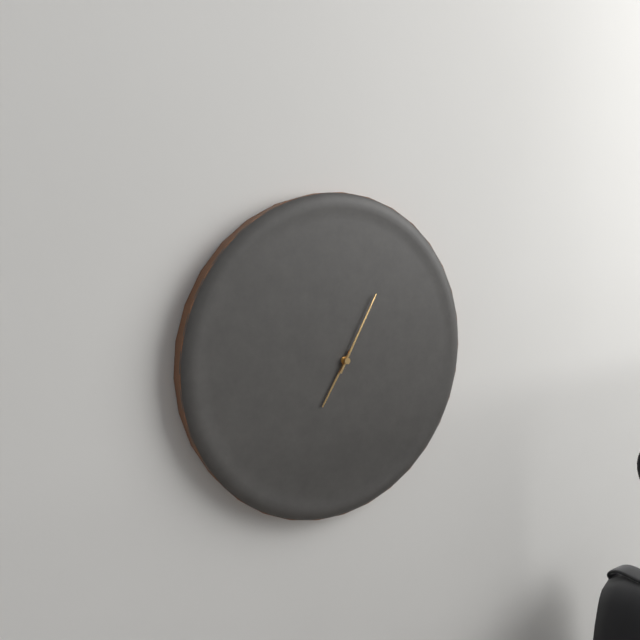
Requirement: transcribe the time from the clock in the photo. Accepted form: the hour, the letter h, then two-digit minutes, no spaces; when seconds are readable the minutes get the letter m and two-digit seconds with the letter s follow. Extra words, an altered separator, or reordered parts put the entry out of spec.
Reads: 7h05
